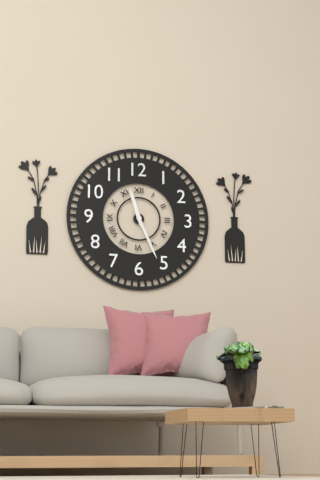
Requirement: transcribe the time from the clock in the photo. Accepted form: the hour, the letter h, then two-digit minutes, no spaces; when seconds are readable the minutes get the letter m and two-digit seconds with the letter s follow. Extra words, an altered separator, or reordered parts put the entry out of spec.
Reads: 11h26
